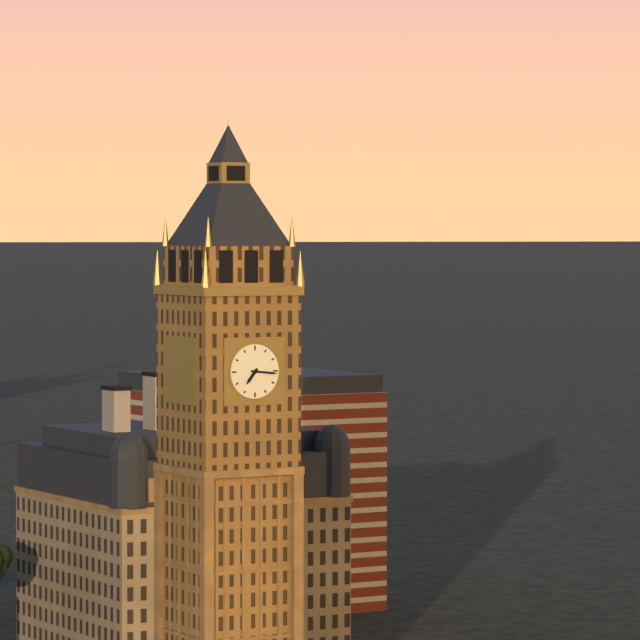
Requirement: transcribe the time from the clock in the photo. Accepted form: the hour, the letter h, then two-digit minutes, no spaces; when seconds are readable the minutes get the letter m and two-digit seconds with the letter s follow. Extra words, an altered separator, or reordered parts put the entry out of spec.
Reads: 7h16
